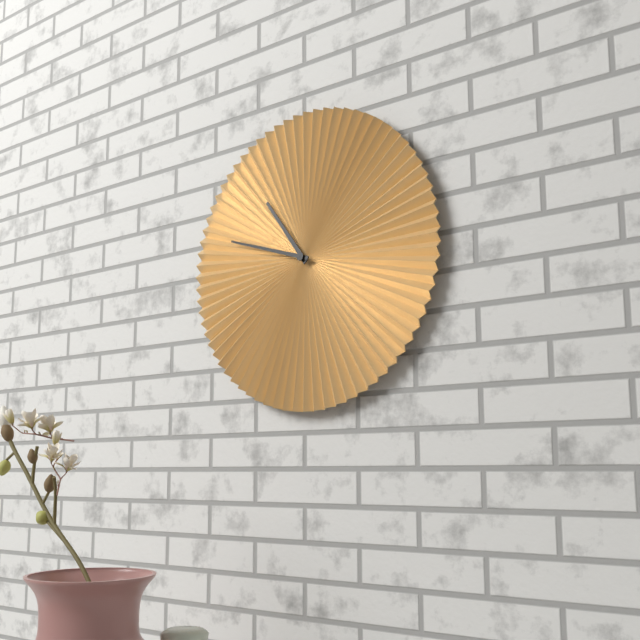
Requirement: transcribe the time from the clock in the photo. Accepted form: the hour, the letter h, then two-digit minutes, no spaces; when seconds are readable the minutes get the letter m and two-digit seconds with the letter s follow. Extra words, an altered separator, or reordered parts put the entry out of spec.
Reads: 10h48
